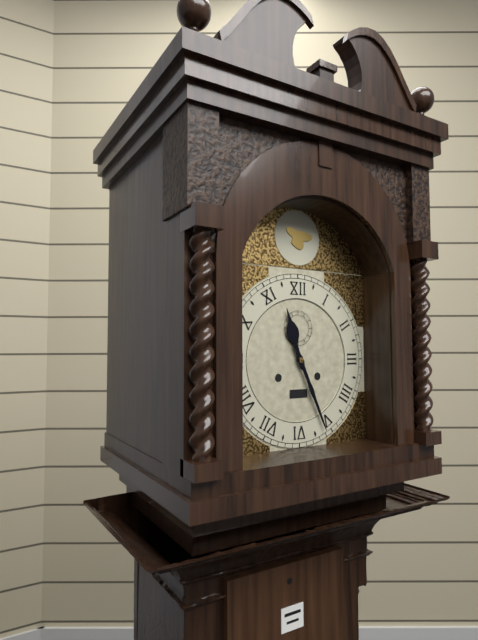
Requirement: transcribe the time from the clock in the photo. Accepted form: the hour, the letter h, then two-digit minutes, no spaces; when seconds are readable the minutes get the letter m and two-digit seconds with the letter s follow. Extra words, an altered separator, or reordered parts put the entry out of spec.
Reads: 11h26
